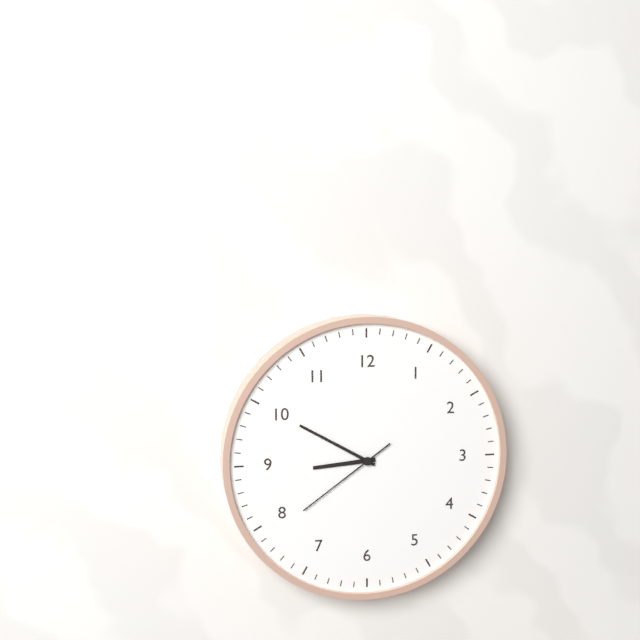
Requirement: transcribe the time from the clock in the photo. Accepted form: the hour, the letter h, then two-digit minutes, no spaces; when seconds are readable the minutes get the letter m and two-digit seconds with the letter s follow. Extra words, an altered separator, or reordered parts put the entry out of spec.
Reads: 8h50m39s
